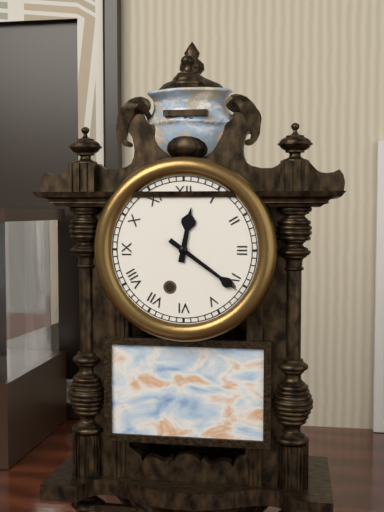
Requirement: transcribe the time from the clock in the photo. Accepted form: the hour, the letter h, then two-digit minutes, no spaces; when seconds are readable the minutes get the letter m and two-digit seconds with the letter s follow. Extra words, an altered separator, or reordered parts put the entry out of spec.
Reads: 12h21
